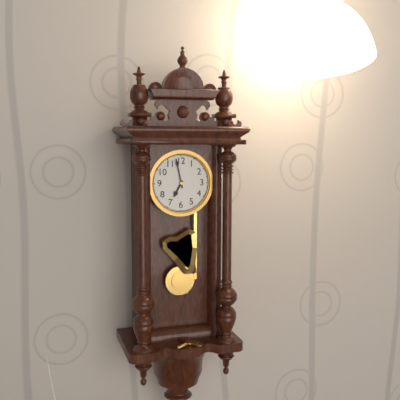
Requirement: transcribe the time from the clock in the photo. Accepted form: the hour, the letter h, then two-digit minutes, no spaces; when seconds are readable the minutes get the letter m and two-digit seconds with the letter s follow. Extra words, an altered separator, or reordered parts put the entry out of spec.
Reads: 6h58
